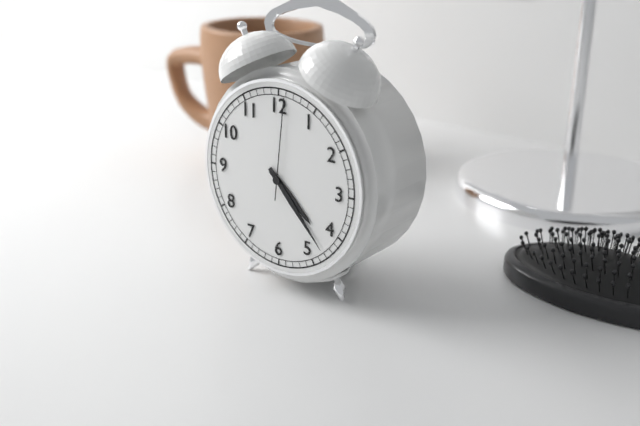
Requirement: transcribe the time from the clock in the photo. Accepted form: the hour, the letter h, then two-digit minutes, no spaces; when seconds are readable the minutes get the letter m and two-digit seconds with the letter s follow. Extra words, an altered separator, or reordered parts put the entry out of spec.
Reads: 4h23m01s
